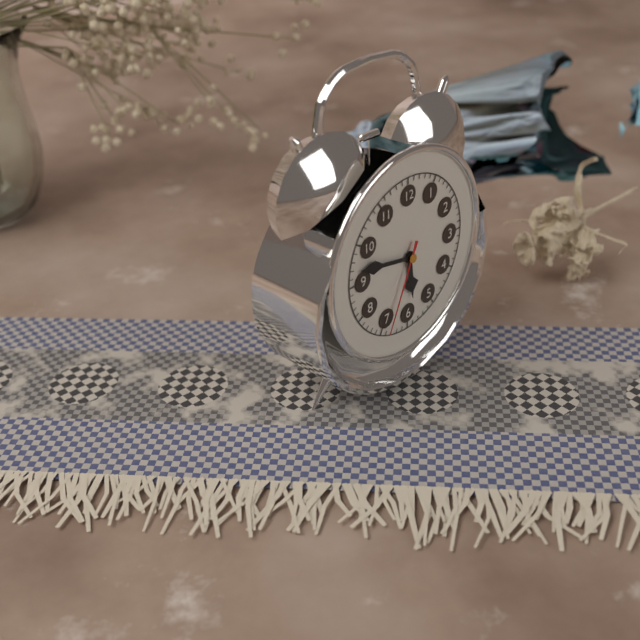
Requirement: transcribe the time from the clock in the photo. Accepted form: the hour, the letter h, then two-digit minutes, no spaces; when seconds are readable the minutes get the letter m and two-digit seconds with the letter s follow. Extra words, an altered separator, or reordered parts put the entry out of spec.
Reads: 5h47m34s
